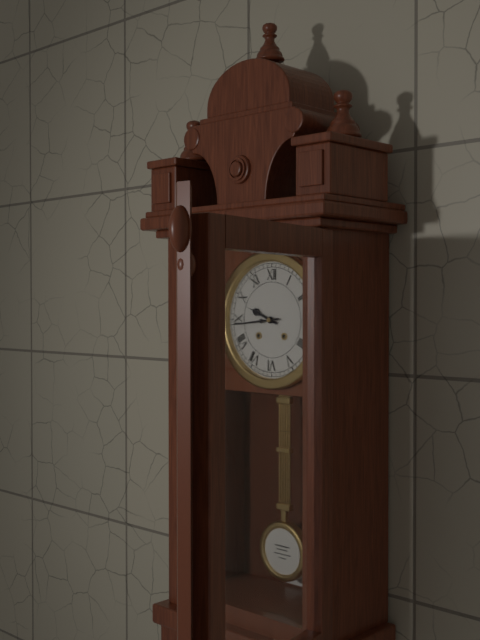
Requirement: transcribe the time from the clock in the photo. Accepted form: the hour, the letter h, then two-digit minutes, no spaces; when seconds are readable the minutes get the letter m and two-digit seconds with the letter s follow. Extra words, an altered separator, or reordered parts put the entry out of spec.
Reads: 9h44
